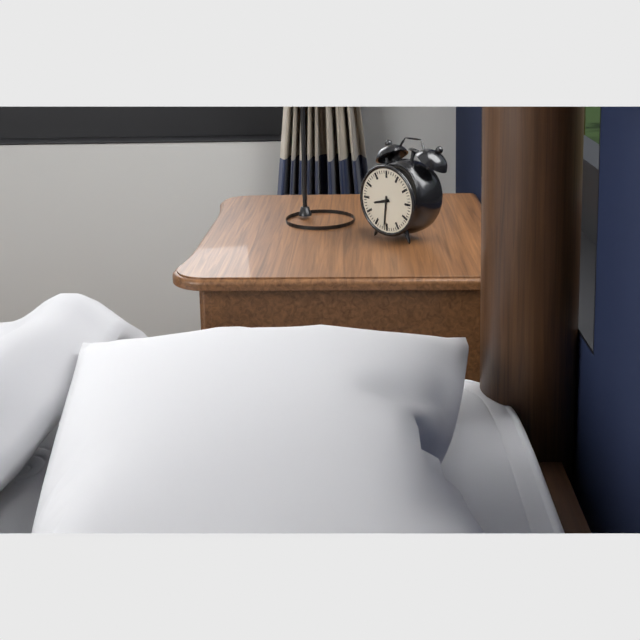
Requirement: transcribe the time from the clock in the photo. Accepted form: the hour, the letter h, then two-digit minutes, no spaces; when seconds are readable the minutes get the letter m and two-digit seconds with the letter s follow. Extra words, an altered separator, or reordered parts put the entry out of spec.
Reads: 8h31
